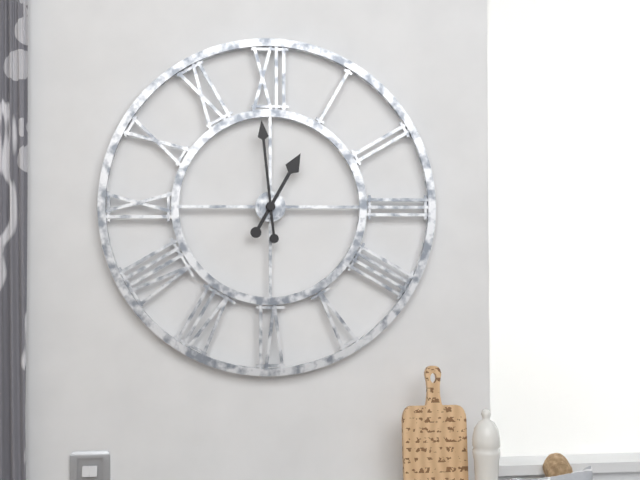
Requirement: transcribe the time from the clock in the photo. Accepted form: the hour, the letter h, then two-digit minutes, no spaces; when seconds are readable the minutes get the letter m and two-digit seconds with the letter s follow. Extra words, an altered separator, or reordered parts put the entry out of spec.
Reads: 12h59
